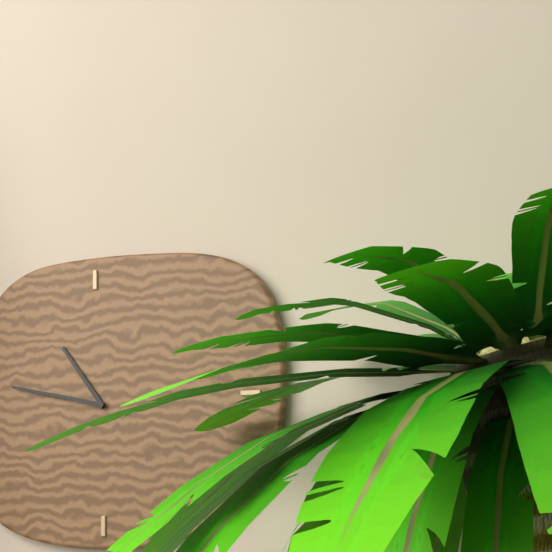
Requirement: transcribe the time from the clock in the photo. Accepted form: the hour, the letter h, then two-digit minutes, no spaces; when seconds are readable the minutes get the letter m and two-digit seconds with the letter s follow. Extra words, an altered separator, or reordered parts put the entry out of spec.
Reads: 10h47
